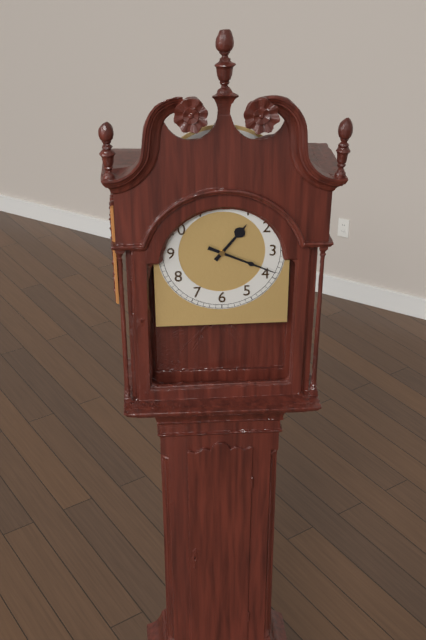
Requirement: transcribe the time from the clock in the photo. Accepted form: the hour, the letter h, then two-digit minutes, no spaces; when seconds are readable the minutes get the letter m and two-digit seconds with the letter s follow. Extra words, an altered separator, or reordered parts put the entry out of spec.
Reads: 1h19
